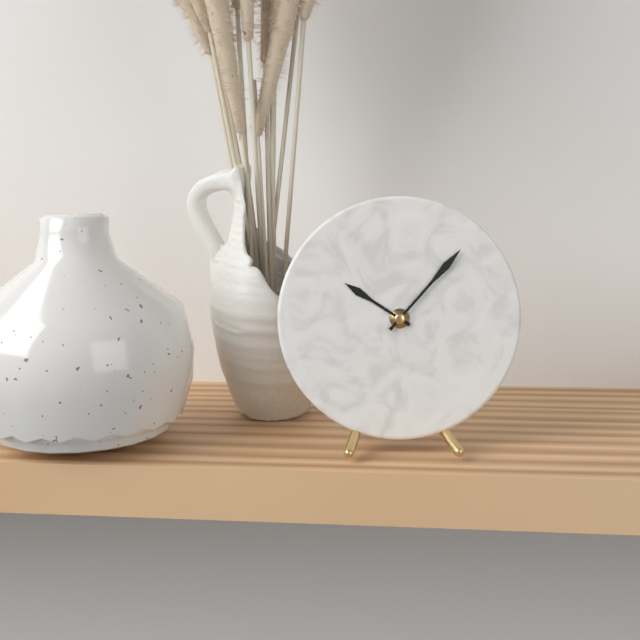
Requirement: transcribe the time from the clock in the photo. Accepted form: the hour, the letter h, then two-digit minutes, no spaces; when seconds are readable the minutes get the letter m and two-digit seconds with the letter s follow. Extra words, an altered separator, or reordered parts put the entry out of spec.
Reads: 10h07
